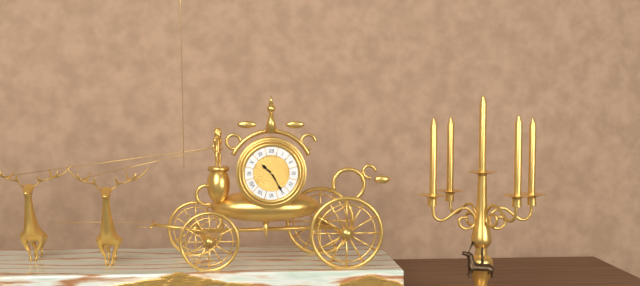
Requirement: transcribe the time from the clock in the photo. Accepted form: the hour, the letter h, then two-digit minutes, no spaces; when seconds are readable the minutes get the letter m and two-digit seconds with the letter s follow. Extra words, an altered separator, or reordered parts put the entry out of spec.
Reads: 10h25
